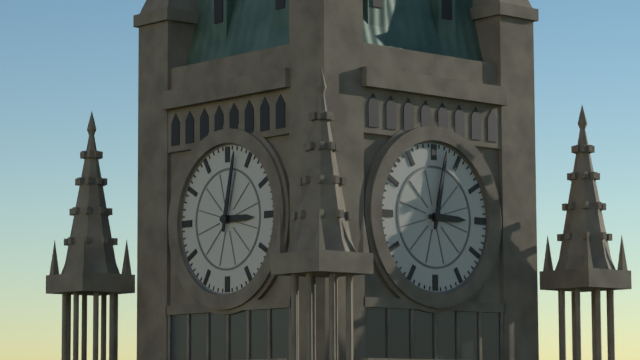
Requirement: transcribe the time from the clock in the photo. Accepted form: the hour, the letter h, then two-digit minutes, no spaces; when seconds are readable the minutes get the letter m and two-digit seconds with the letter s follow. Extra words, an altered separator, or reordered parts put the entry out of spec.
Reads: 3h02
